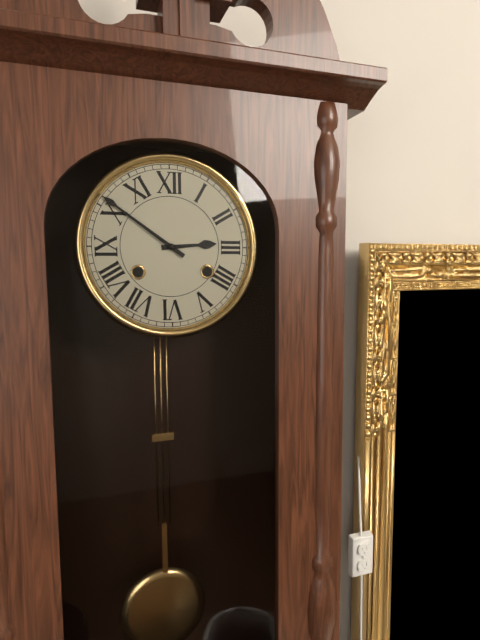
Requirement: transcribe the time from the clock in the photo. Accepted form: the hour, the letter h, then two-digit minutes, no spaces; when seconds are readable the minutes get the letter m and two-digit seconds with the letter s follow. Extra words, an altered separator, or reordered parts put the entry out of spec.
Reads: 2h51
